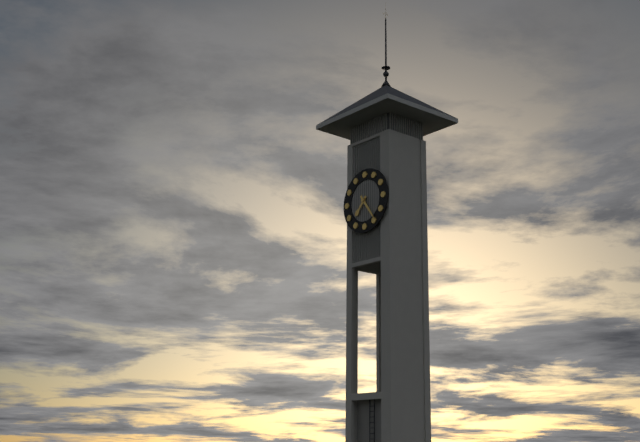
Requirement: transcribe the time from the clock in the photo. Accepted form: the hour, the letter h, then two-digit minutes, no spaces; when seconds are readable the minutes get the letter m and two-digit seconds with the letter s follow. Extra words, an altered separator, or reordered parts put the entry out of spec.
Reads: 7h24
